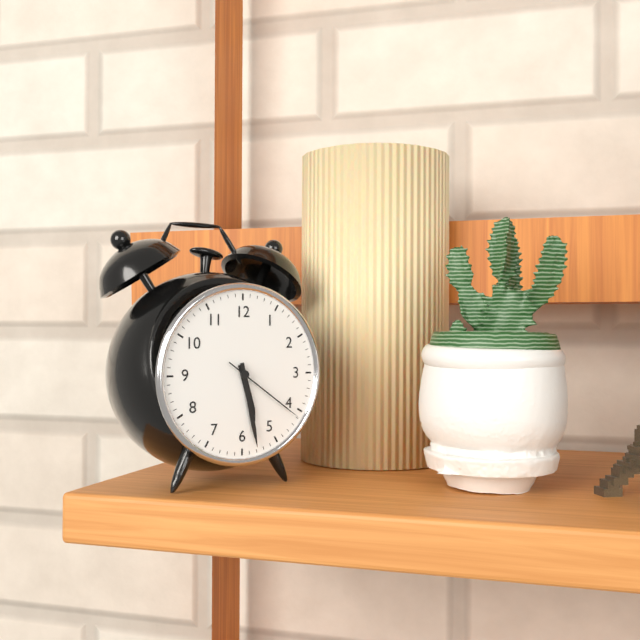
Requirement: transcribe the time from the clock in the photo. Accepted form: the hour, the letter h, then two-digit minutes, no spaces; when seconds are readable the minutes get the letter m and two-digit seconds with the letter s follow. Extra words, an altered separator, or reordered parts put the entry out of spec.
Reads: 5h28m21s
